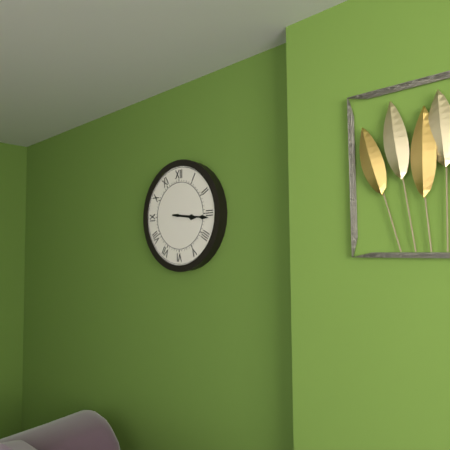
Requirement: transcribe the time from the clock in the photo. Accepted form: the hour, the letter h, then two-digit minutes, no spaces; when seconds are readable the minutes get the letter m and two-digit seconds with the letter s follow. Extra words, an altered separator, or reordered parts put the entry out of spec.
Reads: 3h16
